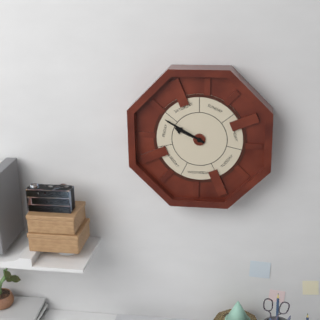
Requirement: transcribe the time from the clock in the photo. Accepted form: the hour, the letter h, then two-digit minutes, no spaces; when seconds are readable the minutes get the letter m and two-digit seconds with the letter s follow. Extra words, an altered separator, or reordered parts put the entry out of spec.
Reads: 9h50
